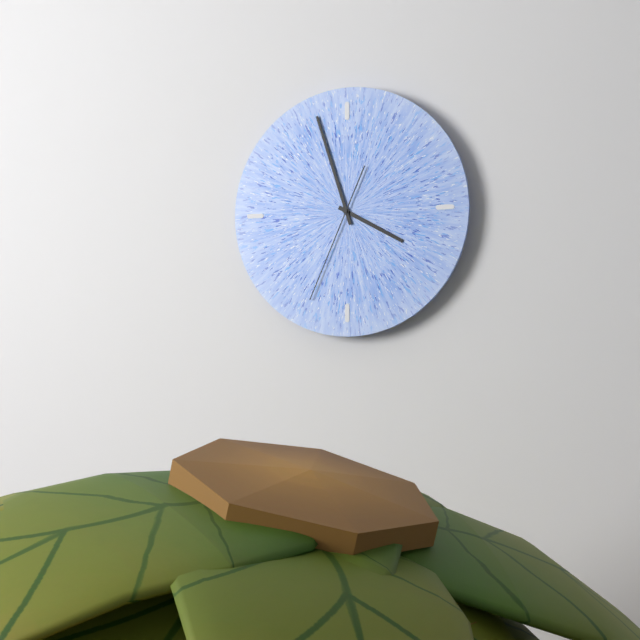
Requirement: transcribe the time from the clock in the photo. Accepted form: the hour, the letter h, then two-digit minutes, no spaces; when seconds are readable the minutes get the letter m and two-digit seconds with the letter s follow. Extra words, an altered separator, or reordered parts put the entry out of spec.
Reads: 3h57m34s
